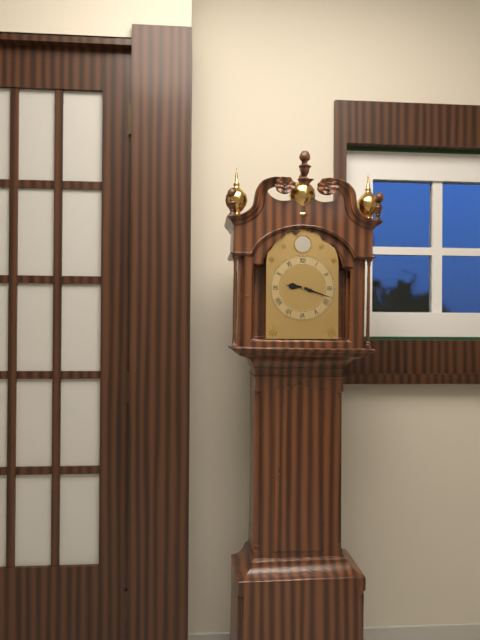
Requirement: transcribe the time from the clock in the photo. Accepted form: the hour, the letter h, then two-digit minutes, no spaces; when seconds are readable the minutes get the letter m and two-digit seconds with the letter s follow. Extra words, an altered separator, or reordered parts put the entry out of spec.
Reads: 9h18
